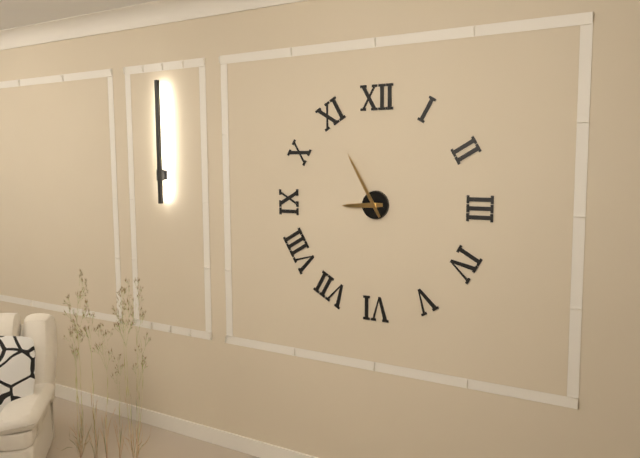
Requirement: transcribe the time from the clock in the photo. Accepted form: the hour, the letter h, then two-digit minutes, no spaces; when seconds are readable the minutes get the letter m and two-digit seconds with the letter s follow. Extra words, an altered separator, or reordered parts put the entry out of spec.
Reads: 8h55
